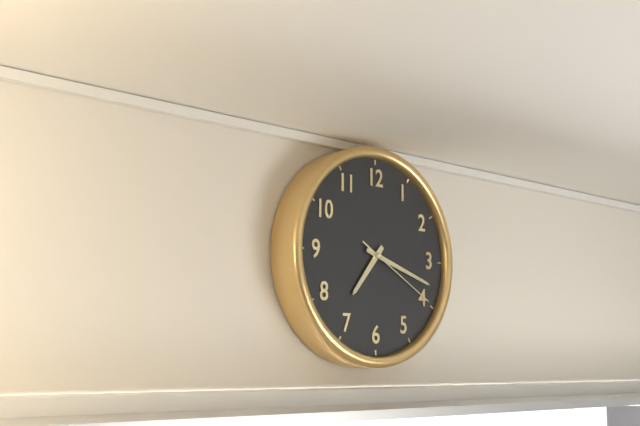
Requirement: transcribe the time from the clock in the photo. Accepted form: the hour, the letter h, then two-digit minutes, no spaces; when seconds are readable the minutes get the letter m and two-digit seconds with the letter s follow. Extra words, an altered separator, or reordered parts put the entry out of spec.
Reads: 7h18m20s
